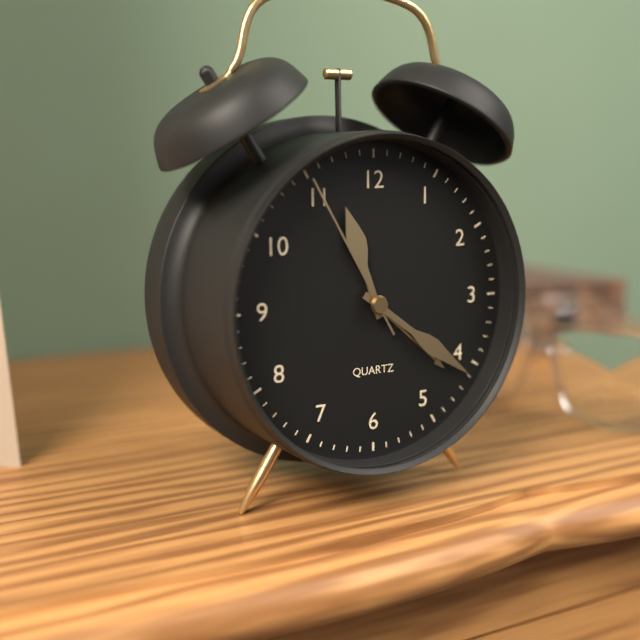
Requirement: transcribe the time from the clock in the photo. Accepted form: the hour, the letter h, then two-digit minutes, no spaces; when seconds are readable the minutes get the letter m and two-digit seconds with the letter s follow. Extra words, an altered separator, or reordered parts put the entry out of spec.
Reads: 11h21m55s
